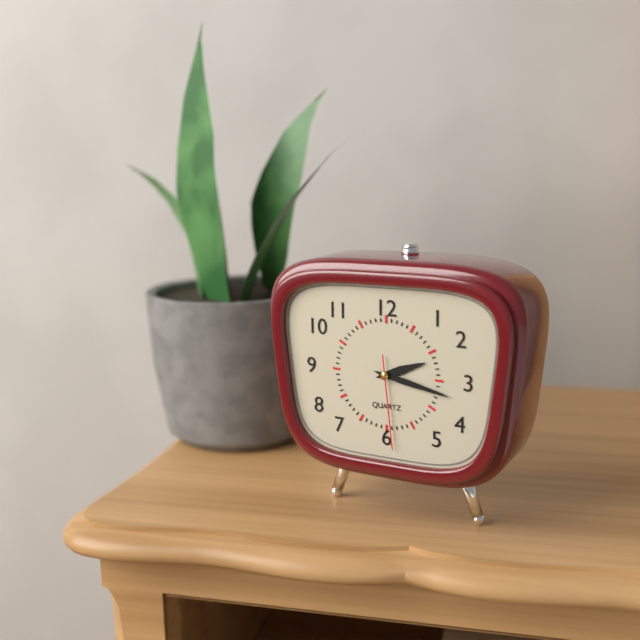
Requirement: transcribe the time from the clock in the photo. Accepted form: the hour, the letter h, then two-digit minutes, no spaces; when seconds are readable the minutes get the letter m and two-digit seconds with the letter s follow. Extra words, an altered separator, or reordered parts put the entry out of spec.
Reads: 2h17m29s
